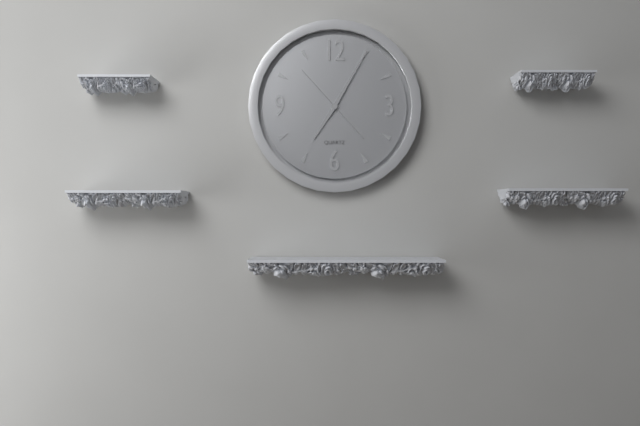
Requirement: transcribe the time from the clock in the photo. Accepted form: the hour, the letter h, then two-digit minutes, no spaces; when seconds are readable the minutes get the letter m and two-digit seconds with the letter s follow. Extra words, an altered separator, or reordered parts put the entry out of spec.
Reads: 7h05m53s
